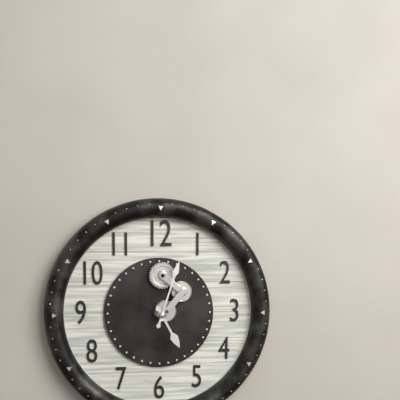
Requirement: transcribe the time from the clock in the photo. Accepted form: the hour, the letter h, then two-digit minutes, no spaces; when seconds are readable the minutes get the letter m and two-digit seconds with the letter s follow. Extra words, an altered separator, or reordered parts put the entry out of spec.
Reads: 5h03
